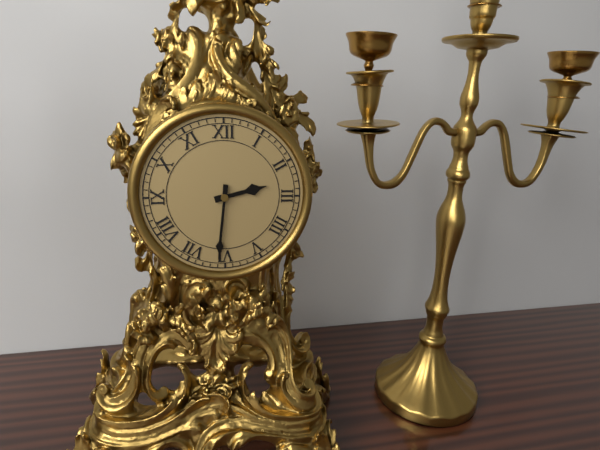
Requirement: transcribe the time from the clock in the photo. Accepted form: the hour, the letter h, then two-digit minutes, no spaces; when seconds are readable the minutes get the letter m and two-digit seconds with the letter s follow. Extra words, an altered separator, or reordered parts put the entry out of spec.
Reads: 2h31
